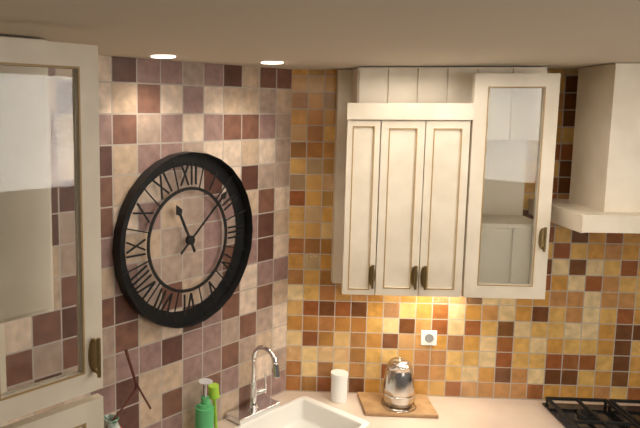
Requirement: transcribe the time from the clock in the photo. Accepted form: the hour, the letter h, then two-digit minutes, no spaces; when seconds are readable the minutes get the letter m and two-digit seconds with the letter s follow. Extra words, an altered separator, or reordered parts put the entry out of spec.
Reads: 11h08
